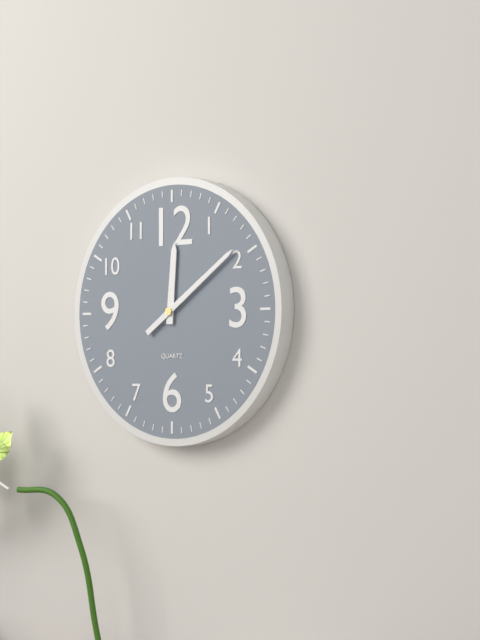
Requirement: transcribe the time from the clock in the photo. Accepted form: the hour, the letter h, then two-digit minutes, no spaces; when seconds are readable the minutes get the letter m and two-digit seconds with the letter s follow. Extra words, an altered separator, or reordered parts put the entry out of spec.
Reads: 12h09
